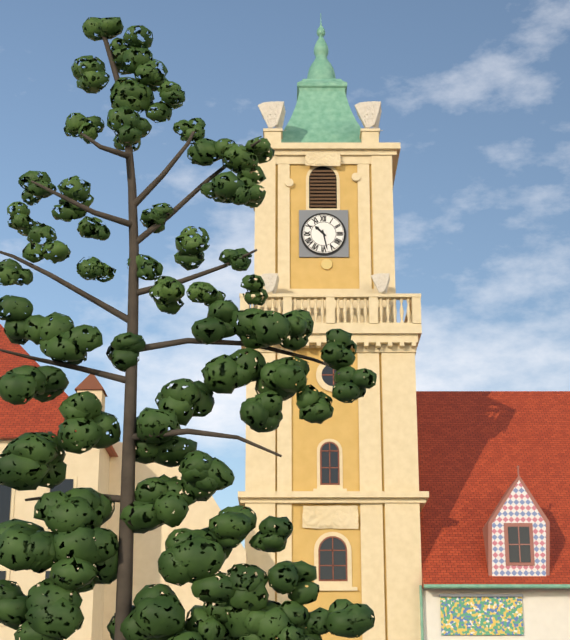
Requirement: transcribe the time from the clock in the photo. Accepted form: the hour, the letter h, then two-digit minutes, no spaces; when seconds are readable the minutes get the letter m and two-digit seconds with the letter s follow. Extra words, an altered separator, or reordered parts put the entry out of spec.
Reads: 10h28
